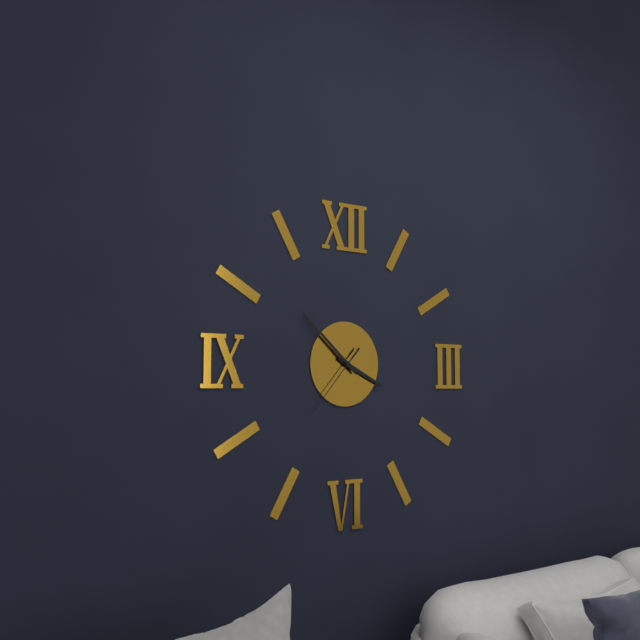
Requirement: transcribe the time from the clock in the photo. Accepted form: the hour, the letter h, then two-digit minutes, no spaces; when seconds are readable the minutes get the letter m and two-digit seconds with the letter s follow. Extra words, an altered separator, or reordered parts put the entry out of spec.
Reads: 3h52m37s
